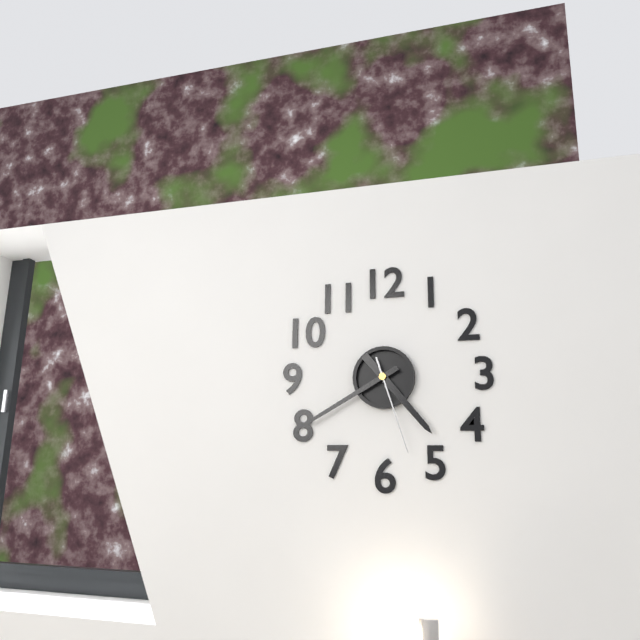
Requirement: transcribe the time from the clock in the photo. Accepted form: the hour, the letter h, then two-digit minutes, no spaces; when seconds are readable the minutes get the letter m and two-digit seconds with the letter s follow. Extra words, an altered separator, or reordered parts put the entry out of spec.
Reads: 4h40m27s
